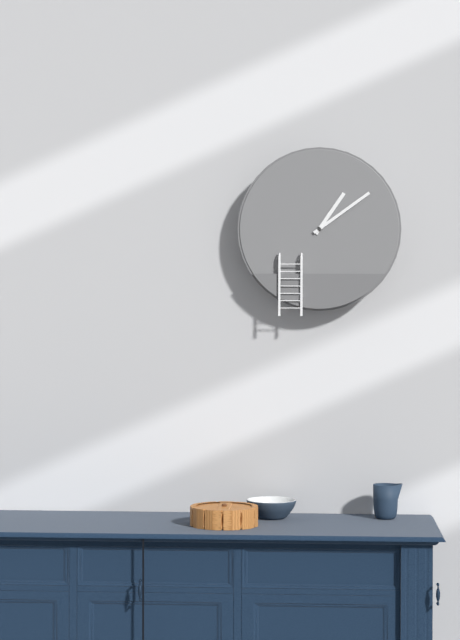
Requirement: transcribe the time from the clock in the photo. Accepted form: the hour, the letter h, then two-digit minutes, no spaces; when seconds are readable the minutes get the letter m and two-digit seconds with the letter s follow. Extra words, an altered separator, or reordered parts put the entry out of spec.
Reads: 1h09
